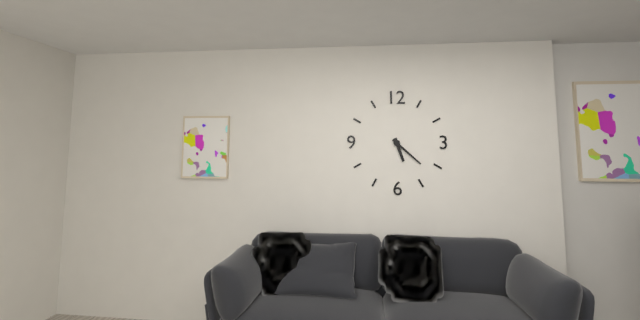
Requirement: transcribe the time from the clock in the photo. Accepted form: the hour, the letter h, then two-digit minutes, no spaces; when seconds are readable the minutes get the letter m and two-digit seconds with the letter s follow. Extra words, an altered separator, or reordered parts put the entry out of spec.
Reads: 5h22
